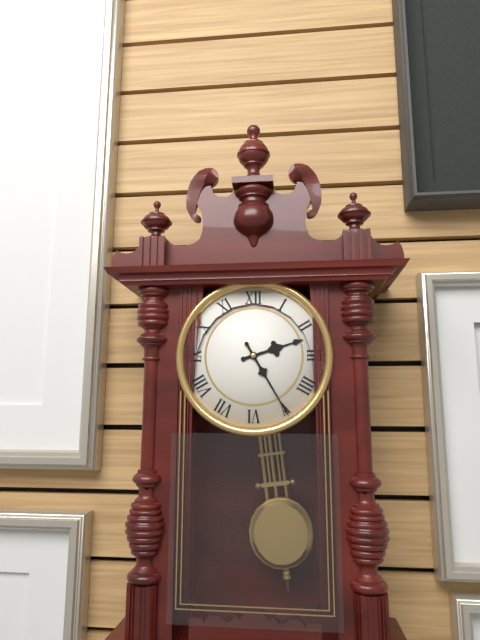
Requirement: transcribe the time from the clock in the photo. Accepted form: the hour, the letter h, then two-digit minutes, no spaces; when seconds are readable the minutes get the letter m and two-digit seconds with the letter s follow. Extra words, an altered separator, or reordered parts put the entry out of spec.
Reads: 2h25
